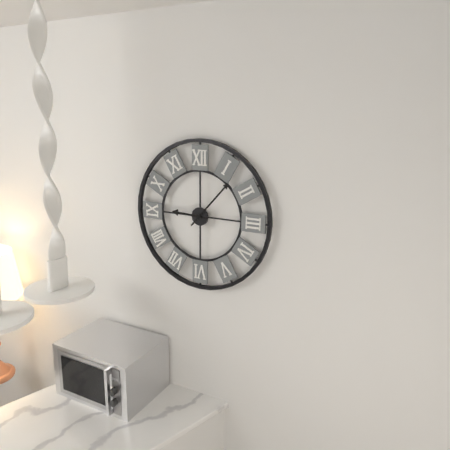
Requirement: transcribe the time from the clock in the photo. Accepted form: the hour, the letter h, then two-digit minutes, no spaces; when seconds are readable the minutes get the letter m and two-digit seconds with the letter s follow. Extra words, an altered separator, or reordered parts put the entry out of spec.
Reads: 9h07
